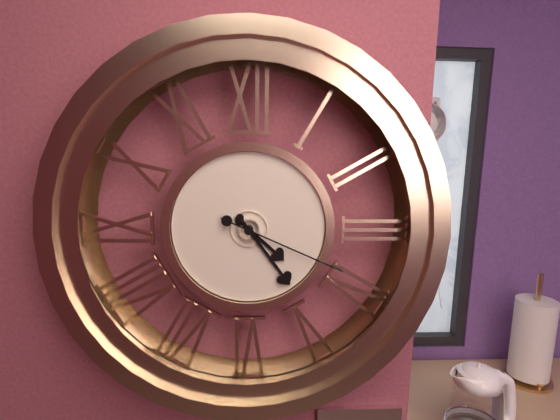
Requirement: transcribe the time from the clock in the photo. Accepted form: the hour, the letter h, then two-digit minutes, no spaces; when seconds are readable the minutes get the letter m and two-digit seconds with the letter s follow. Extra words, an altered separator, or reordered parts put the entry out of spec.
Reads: 4h24m19s
